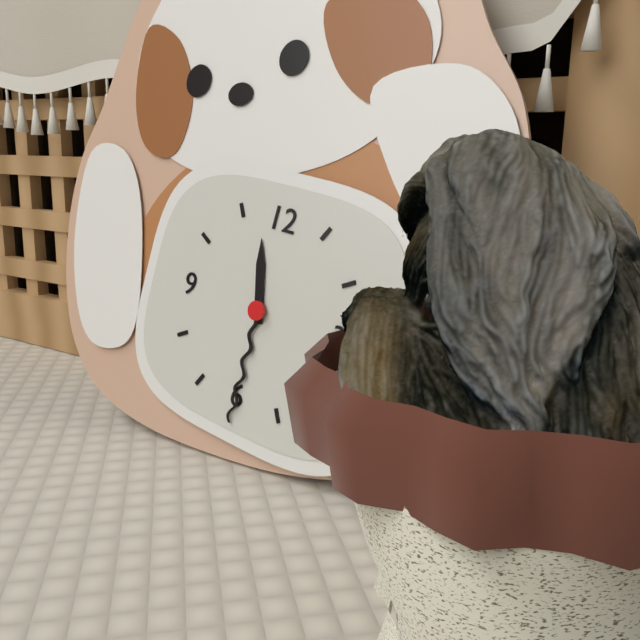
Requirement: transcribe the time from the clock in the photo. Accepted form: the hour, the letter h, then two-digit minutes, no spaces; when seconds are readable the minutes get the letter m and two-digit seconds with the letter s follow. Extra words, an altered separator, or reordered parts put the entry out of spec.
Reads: 11h30
